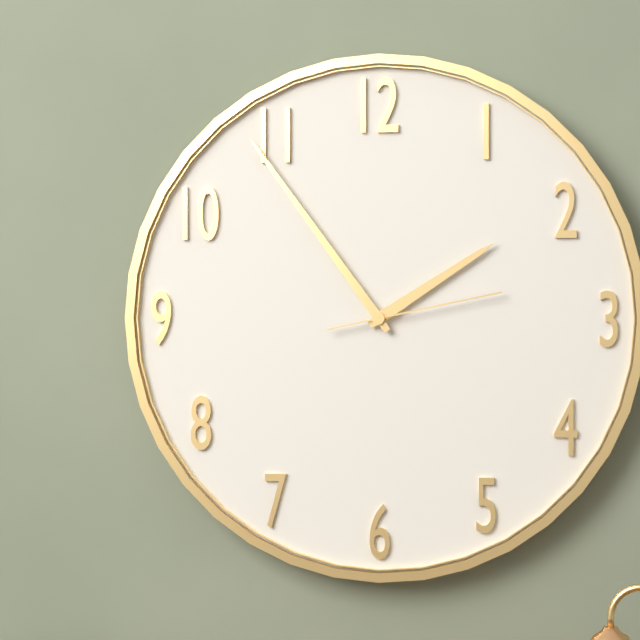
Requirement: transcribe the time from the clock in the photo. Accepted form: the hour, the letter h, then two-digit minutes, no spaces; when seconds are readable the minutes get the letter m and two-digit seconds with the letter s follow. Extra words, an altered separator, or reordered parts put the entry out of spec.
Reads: 1h54m13s
